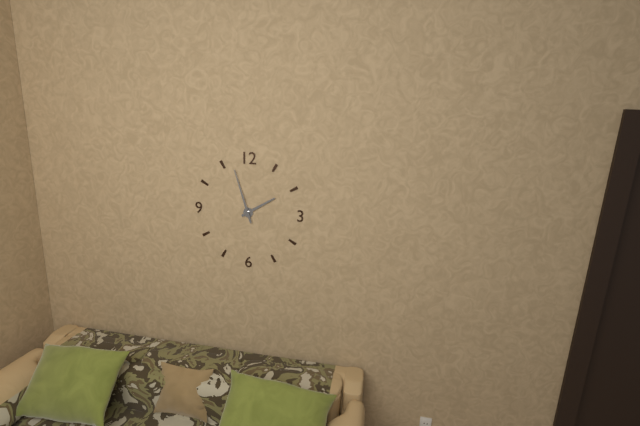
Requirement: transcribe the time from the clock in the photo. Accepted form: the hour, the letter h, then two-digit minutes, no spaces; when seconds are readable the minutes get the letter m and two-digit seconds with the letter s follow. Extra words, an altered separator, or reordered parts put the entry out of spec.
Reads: 1h57
